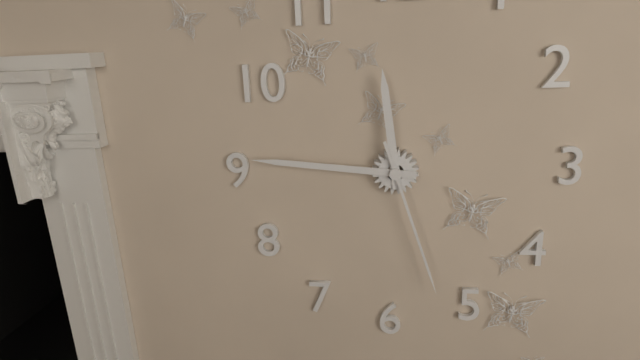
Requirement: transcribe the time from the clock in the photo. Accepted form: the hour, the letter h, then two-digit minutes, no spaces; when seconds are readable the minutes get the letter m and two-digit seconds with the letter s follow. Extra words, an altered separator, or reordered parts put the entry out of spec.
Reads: 11h46m27s
